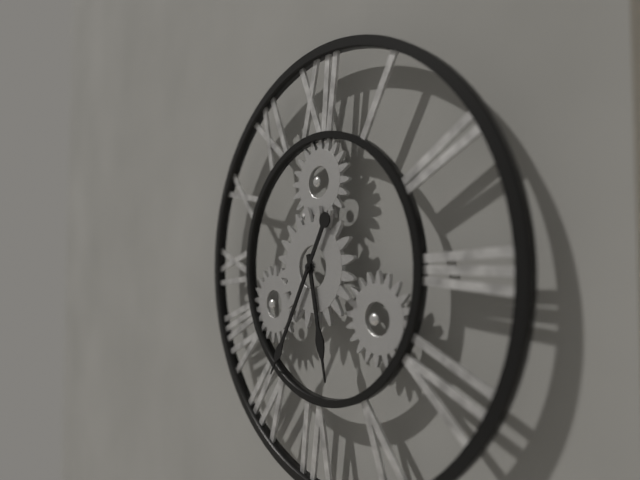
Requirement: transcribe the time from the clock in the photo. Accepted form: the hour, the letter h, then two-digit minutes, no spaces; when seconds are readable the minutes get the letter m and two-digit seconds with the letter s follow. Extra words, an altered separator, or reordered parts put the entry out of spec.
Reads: 5h35
